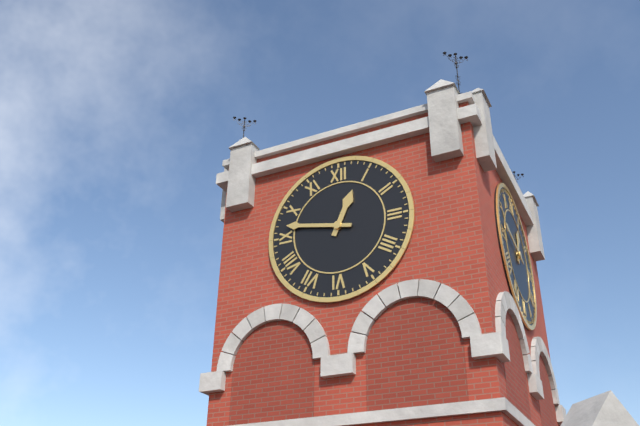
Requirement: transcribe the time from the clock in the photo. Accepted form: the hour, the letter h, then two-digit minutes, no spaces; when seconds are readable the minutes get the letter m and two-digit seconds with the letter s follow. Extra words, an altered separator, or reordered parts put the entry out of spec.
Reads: 12h47
